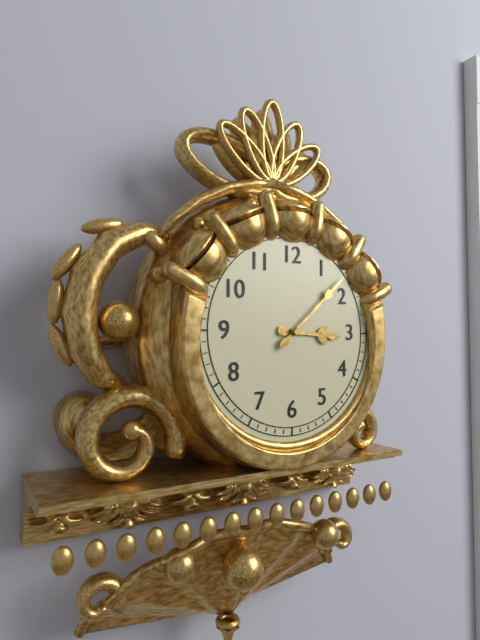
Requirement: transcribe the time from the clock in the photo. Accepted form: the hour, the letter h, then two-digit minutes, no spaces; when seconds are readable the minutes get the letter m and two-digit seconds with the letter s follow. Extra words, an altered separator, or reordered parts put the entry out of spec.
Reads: 3h08
